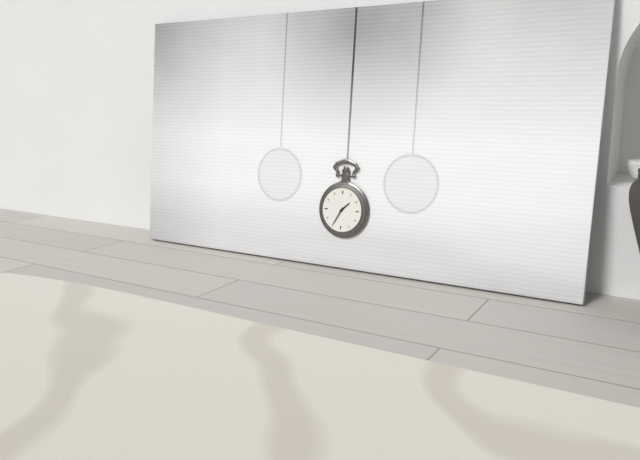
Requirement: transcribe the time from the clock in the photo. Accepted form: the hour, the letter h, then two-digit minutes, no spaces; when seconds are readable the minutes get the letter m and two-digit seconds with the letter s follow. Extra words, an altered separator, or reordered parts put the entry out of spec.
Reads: 1h35
